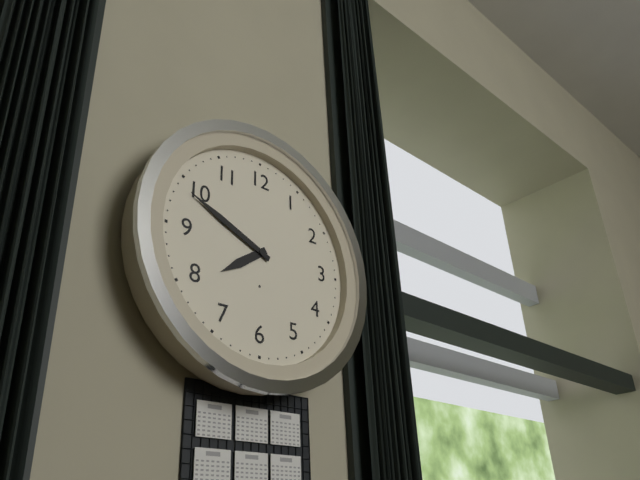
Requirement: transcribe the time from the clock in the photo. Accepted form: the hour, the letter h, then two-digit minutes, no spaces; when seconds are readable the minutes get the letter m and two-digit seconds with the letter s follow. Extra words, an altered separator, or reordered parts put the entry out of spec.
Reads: 7h49
